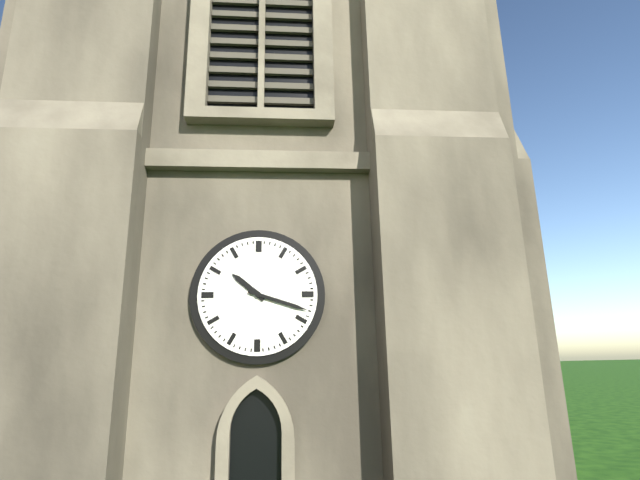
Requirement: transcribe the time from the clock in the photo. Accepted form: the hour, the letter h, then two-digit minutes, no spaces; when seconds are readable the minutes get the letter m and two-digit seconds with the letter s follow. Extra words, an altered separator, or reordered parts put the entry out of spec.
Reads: 10h18
